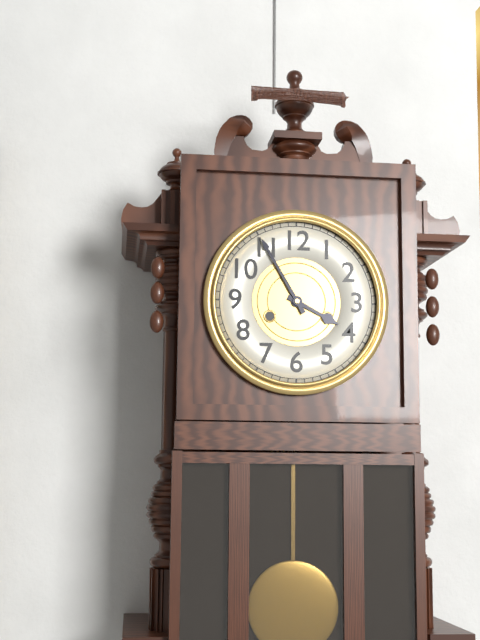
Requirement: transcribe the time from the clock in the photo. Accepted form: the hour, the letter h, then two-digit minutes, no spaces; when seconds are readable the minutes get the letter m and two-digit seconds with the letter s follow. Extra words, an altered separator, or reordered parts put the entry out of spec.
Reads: 3h55
